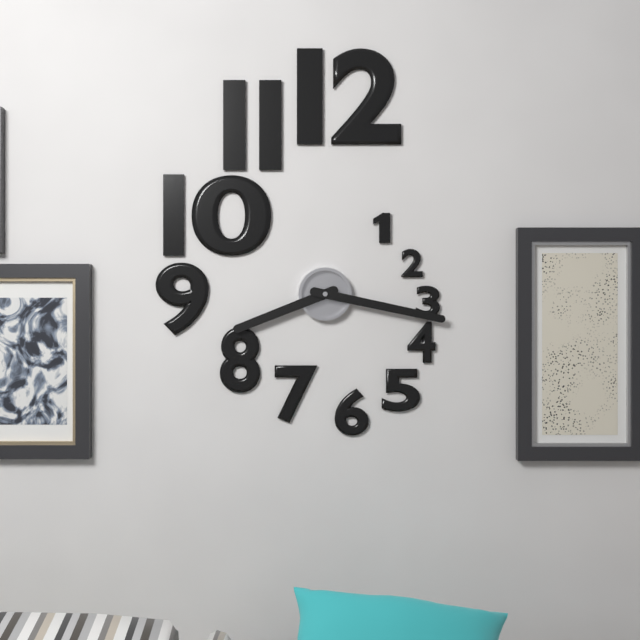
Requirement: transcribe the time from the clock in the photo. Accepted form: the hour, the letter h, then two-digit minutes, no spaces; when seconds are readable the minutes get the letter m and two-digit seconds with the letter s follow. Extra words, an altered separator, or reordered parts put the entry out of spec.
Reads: 8h17
